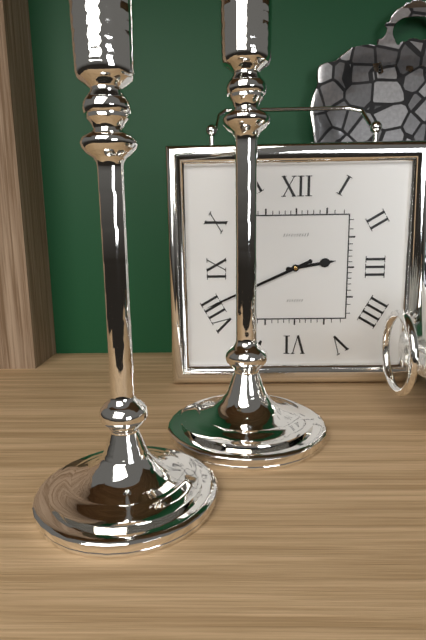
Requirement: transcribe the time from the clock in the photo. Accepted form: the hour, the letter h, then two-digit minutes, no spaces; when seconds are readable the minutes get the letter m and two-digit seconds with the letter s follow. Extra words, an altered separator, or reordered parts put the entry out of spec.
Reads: 2h41
